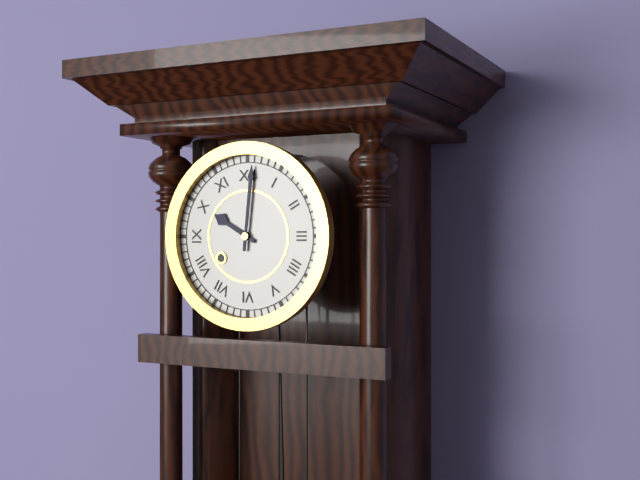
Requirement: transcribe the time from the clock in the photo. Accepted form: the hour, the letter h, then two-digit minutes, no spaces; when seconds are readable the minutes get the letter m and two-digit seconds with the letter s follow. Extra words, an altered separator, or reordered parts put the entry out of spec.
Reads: 10h01
